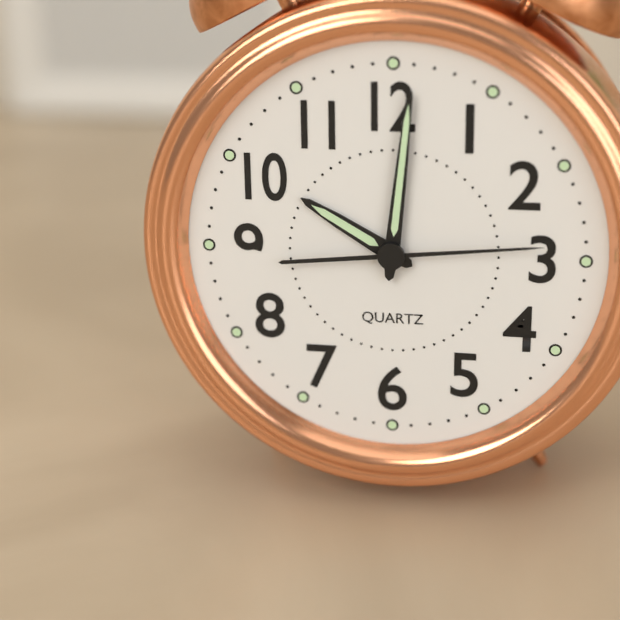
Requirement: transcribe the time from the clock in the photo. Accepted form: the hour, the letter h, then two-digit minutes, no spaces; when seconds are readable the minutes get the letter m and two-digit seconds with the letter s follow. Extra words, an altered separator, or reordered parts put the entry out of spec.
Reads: 10h01m14s
